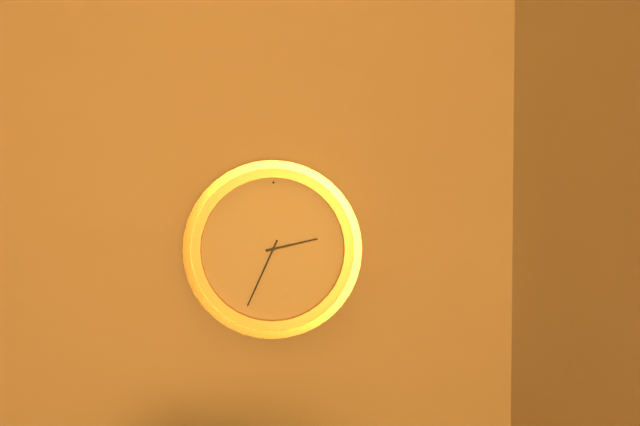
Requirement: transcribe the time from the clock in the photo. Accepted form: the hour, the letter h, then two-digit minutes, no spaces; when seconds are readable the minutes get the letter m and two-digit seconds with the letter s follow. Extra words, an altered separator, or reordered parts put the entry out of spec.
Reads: 2h34
